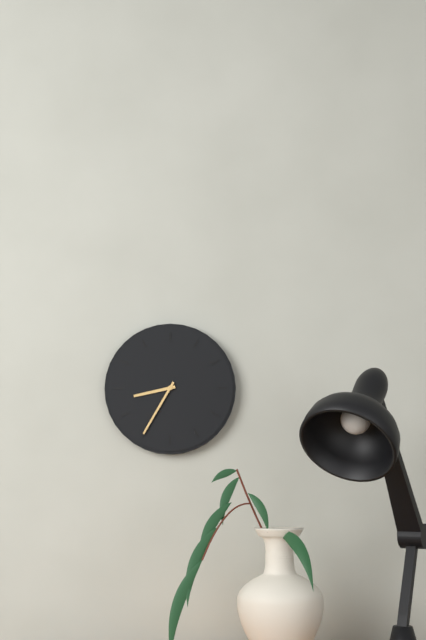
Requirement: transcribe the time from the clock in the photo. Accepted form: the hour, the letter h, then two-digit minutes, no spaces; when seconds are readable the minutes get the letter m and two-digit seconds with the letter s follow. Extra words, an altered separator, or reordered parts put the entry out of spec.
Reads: 8h35
